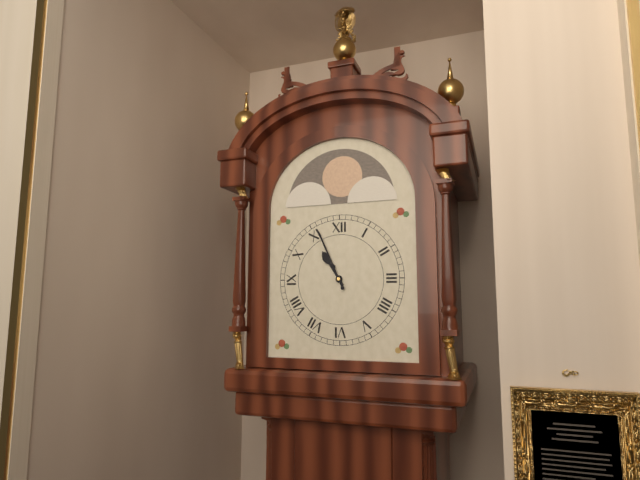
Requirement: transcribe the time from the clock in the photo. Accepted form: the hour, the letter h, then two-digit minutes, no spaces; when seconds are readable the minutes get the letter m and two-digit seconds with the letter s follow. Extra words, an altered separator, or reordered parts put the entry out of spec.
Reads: 10h56
